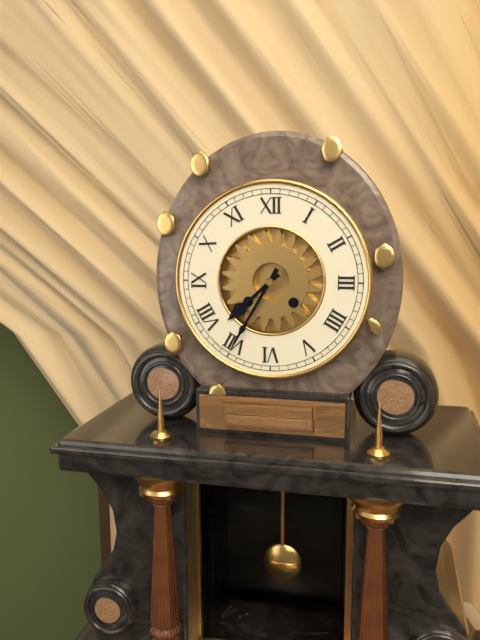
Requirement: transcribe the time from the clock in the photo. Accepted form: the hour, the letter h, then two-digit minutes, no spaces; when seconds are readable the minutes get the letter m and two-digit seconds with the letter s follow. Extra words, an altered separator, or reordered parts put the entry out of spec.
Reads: 7h35
